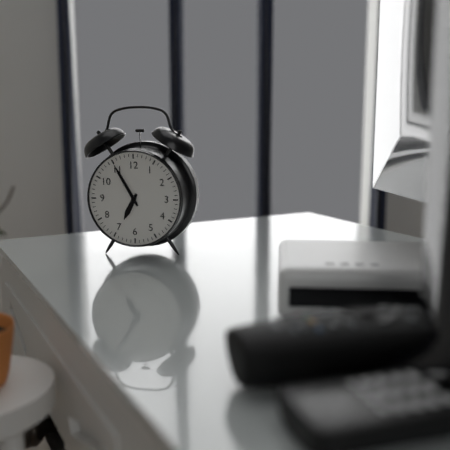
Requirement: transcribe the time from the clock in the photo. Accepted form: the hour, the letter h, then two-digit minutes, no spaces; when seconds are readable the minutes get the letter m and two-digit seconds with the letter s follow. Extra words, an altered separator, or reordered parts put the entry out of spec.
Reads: 6h55
